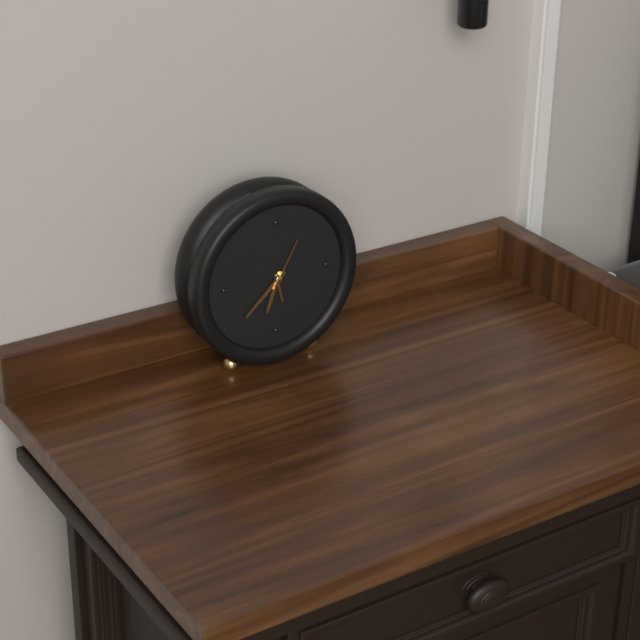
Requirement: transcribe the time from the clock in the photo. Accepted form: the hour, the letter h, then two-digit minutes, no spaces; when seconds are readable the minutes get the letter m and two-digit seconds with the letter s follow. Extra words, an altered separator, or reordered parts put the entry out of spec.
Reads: 6h38m05s
